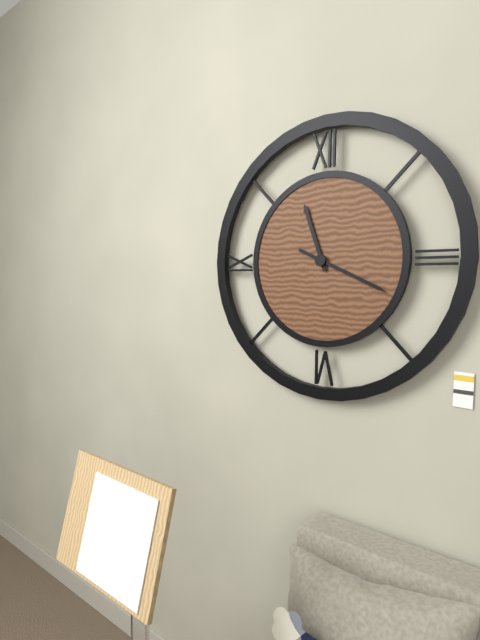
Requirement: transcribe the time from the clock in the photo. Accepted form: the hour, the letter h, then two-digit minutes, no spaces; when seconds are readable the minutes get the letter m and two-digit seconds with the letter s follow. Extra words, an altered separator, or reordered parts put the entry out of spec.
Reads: 11h19
